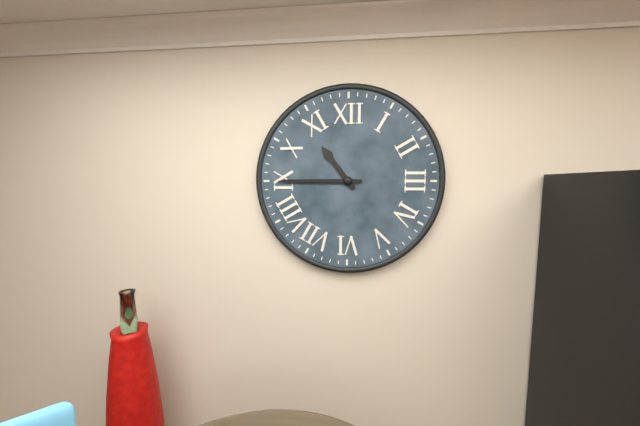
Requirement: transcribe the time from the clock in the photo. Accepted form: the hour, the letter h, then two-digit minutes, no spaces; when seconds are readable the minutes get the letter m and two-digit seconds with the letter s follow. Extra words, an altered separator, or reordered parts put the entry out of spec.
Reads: 10h45
